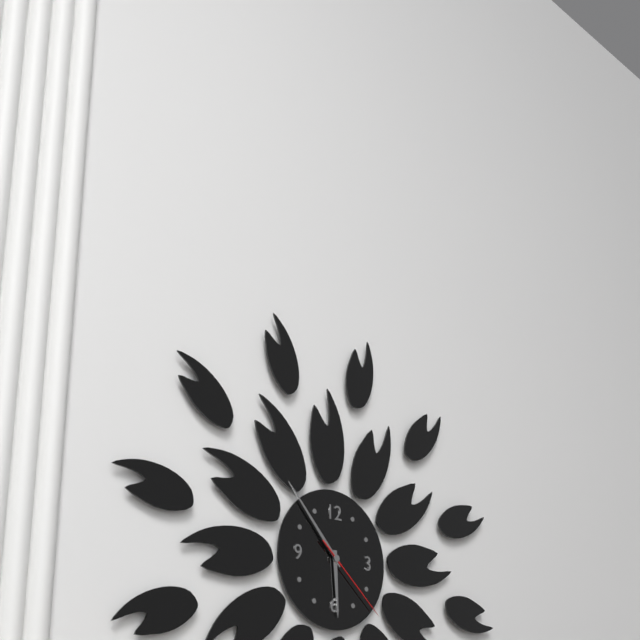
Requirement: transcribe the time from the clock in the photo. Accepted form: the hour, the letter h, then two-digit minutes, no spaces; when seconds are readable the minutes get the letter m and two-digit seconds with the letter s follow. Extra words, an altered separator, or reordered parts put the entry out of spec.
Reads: 5h53m22s
